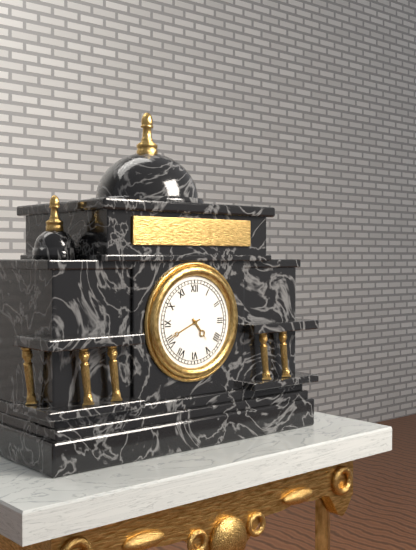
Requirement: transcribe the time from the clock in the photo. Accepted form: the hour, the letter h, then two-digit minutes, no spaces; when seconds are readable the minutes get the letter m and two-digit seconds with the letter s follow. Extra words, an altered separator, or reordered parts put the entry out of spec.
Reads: 4h41
